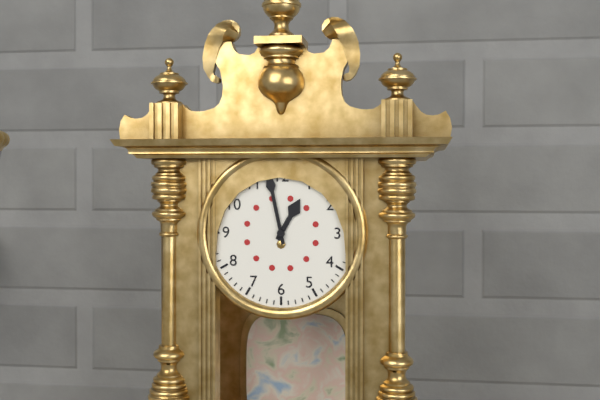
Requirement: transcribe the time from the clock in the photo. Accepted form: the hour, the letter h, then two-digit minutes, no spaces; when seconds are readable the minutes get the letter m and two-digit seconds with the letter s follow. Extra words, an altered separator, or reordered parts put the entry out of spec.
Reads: 12h58
